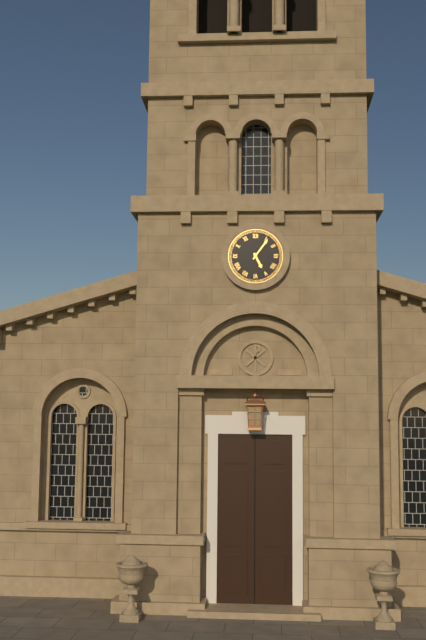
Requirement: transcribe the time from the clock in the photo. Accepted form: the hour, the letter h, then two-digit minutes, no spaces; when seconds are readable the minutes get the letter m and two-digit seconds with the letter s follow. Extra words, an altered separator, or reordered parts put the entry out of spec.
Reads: 5h06
